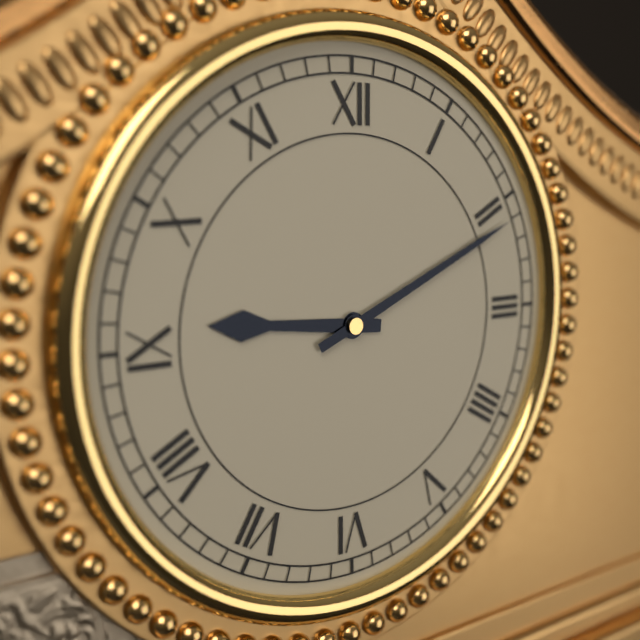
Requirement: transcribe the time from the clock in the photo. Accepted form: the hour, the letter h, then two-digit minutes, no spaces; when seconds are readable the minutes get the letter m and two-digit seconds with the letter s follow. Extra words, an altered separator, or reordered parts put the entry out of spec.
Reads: 9h11
